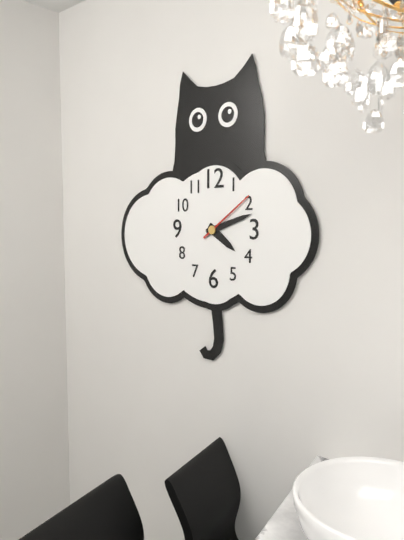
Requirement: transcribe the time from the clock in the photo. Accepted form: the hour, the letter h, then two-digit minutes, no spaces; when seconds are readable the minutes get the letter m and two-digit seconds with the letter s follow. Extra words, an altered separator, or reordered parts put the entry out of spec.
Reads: 4h12m09s
